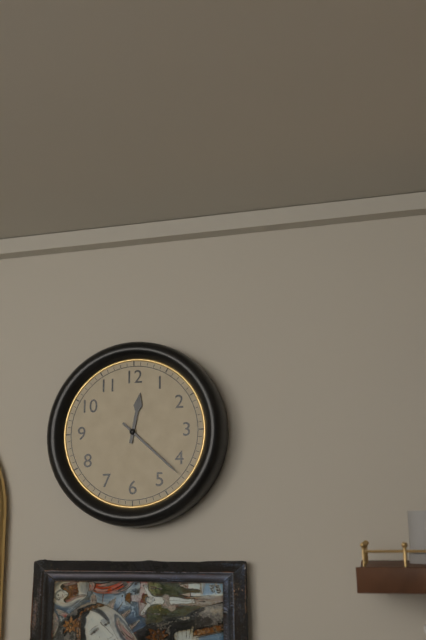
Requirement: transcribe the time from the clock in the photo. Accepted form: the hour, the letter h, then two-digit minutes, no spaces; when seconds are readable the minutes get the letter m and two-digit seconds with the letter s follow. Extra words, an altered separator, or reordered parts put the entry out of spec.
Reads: 12h22
